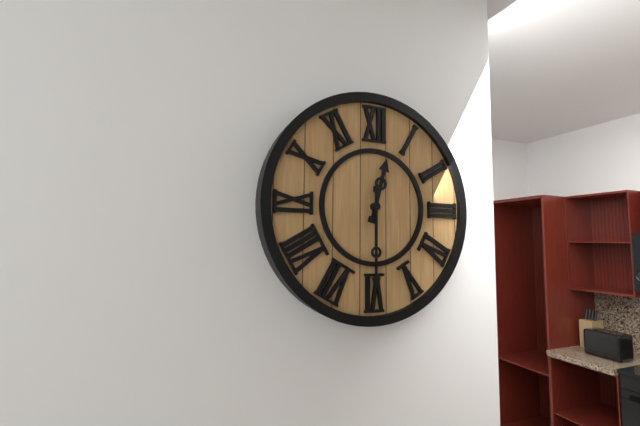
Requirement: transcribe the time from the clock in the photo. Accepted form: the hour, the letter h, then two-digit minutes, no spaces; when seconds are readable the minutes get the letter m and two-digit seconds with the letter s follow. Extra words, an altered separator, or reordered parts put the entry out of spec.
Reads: 12h30
